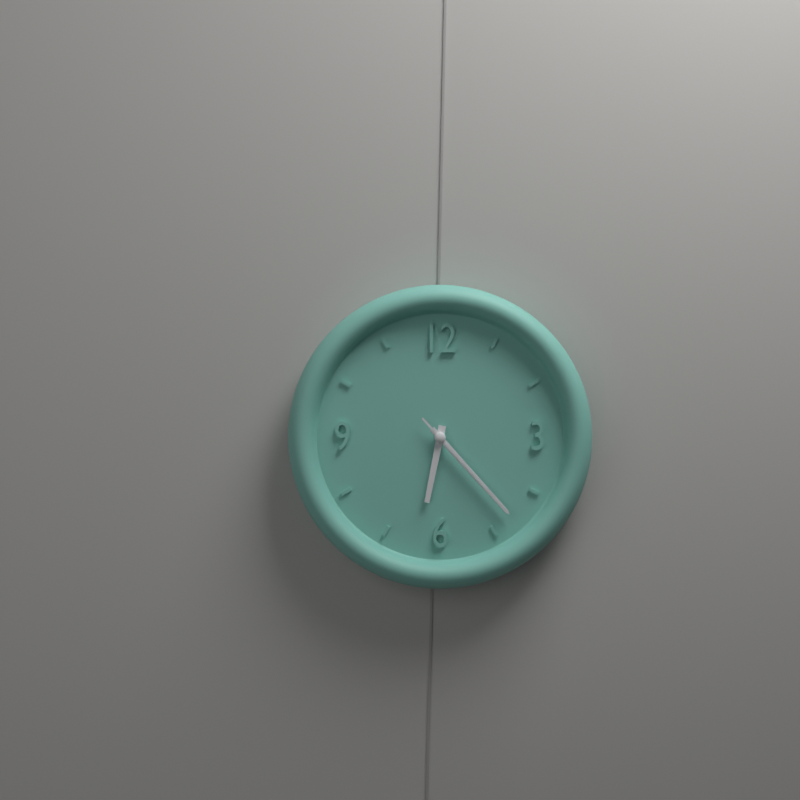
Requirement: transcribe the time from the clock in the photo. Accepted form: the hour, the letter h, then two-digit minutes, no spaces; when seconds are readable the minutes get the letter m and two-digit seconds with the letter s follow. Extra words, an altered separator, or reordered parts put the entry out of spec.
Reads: 6h23m23s
